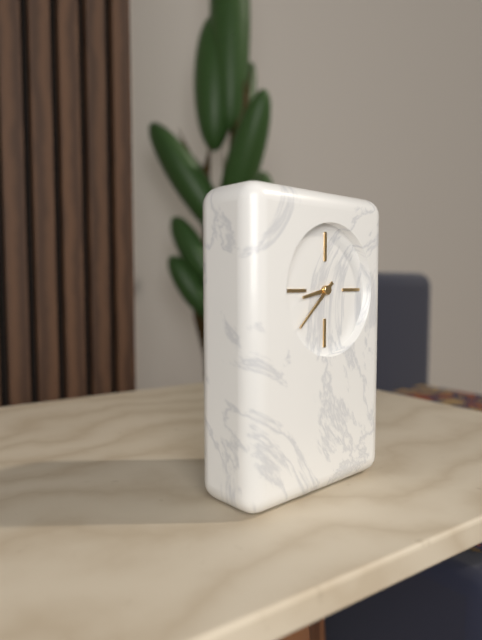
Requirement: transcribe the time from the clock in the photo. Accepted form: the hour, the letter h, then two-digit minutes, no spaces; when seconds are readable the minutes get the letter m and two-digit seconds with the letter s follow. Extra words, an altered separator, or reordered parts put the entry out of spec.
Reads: 8h38
